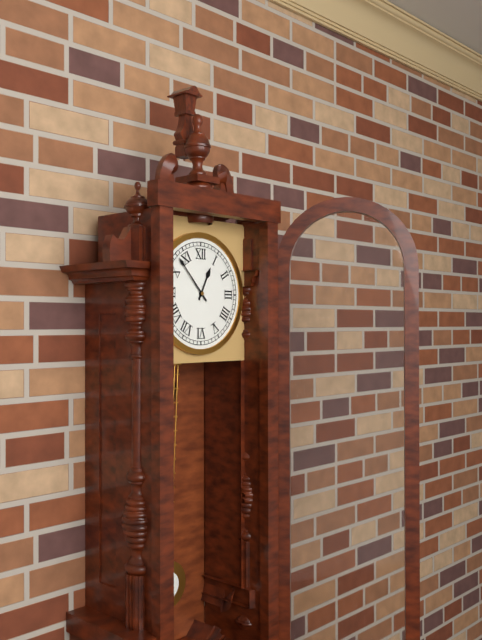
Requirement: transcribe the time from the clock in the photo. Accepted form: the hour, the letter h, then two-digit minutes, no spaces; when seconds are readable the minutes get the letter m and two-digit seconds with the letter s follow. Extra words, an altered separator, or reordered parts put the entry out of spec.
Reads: 12h53
